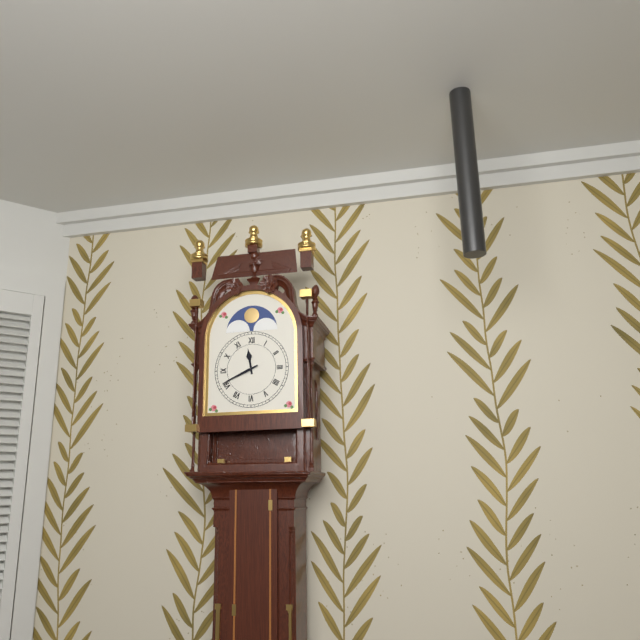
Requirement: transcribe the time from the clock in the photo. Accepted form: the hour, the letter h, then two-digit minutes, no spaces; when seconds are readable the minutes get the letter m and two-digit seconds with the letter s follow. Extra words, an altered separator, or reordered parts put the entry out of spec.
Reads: 11h41
